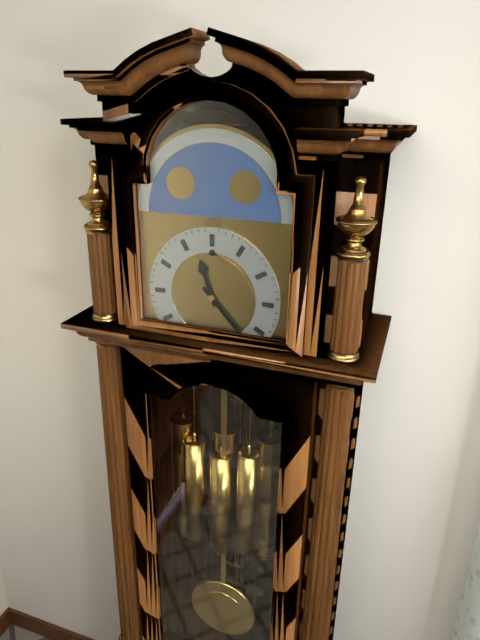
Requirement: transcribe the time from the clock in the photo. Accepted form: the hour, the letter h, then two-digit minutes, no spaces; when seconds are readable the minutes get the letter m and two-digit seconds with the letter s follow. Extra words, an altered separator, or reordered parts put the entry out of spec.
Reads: 11h23
